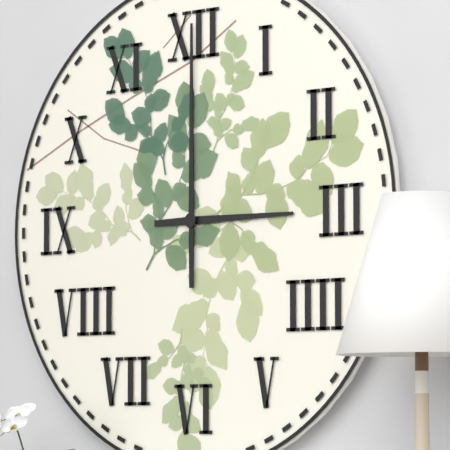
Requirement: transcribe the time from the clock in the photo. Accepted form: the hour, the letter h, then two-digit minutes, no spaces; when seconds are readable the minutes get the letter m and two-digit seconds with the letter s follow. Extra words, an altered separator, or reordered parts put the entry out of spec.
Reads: 3h00
